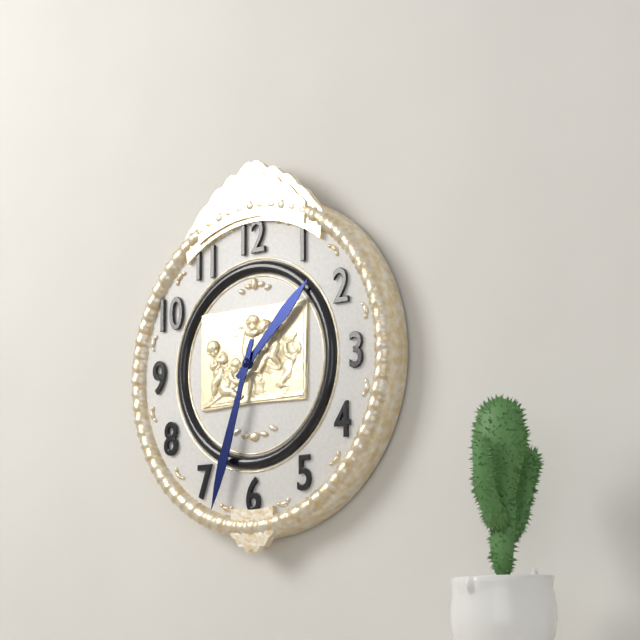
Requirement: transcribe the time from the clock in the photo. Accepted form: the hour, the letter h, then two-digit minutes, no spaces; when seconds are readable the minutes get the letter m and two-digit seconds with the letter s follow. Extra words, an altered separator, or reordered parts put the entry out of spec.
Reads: 1h33
